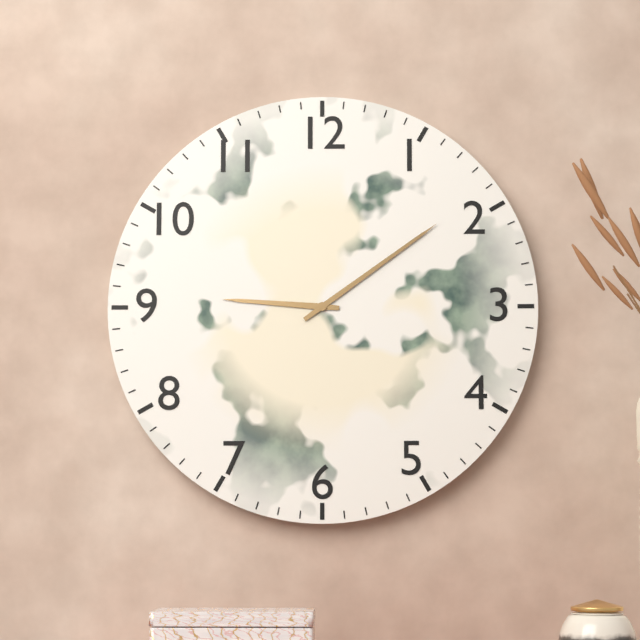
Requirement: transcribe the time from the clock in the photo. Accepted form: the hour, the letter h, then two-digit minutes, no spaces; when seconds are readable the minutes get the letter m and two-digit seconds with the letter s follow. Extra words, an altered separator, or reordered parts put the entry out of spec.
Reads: 9h09
